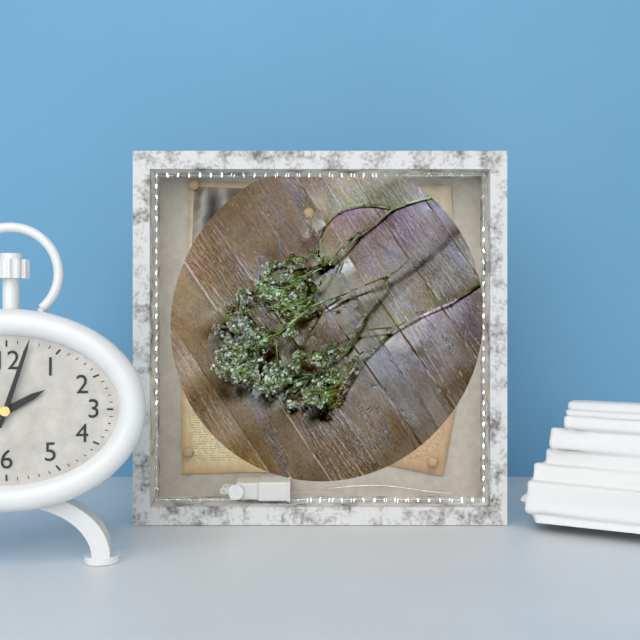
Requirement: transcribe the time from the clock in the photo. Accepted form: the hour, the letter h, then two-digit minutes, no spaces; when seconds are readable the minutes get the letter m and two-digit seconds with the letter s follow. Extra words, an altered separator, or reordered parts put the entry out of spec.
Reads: 2h03
